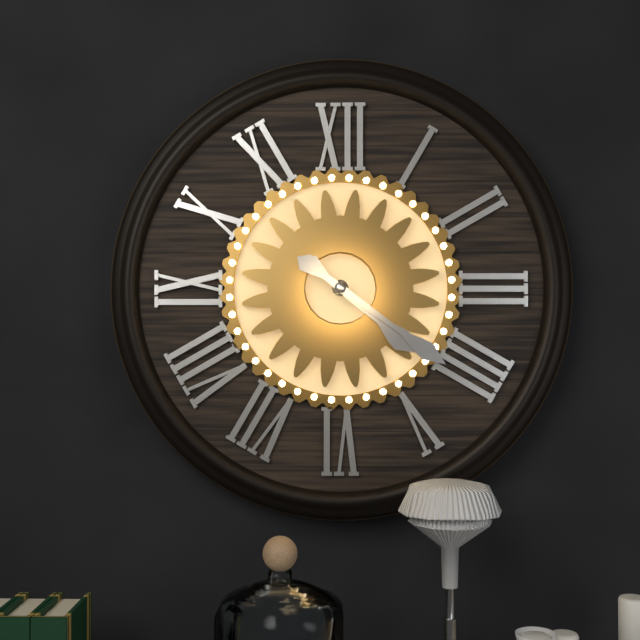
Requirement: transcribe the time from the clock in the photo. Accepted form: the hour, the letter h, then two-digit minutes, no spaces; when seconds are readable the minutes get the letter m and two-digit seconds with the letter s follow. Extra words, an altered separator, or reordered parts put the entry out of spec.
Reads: 4h21
